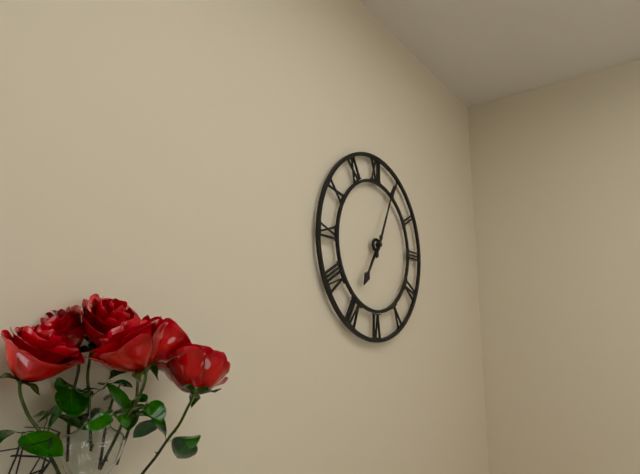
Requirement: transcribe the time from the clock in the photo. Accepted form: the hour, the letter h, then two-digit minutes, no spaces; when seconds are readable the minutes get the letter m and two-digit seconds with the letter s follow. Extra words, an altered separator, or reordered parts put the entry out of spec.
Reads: 7h04
